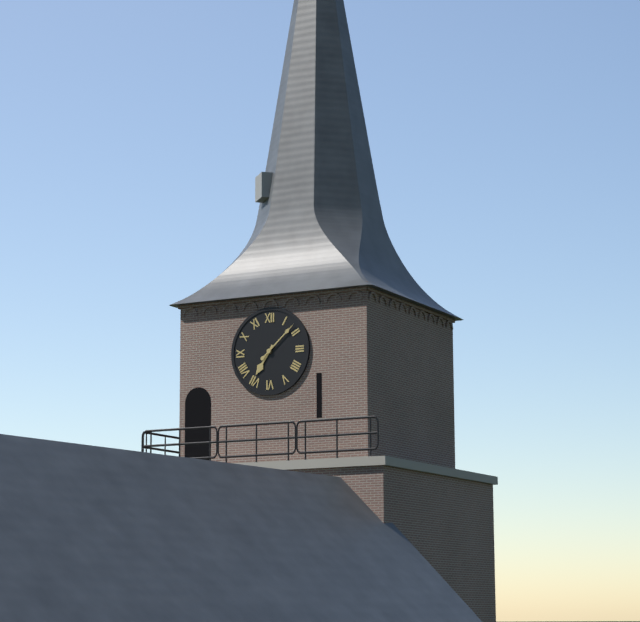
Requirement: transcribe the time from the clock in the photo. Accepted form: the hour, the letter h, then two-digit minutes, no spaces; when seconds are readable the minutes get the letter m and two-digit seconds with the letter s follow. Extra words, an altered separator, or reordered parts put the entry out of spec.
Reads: 7h08
